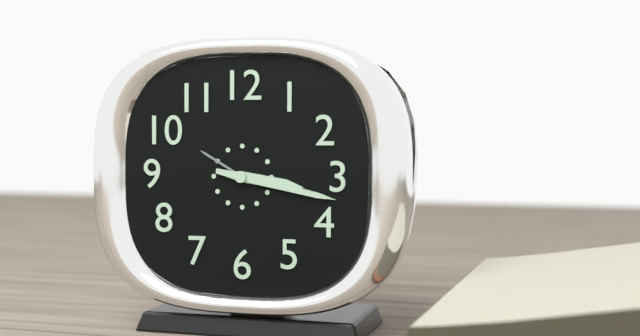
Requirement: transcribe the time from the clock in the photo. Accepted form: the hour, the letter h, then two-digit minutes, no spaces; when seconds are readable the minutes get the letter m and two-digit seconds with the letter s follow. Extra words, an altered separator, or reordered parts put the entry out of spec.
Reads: 3h17
